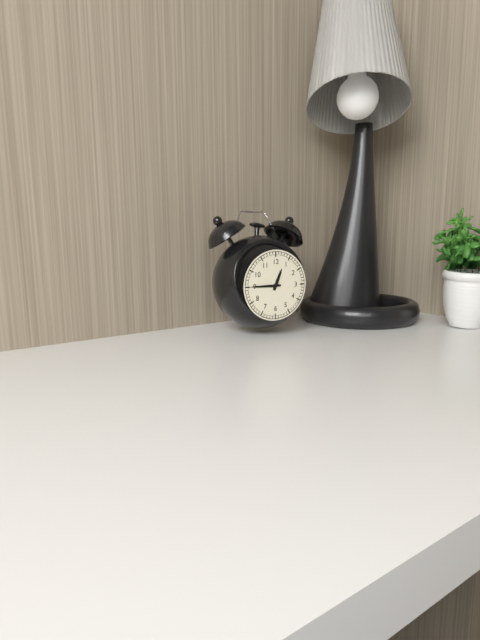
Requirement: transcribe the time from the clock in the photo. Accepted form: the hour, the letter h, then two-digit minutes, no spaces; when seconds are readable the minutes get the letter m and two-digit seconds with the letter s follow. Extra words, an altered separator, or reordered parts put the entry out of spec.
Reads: 12h45
